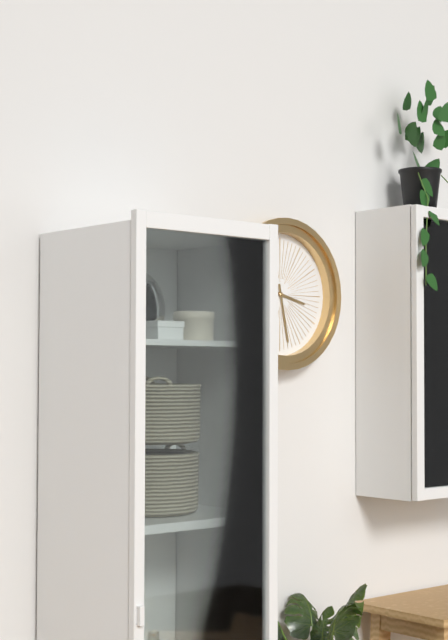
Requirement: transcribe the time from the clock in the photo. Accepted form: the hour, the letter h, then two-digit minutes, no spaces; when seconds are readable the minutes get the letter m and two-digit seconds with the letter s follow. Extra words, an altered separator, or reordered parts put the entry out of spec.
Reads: 3h28
